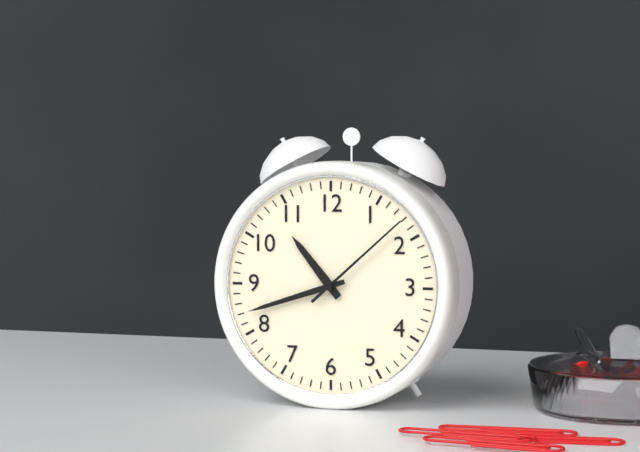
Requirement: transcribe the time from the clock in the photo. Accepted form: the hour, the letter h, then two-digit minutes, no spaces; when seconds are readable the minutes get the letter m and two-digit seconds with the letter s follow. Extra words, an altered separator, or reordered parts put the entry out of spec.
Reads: 10h42m08s
